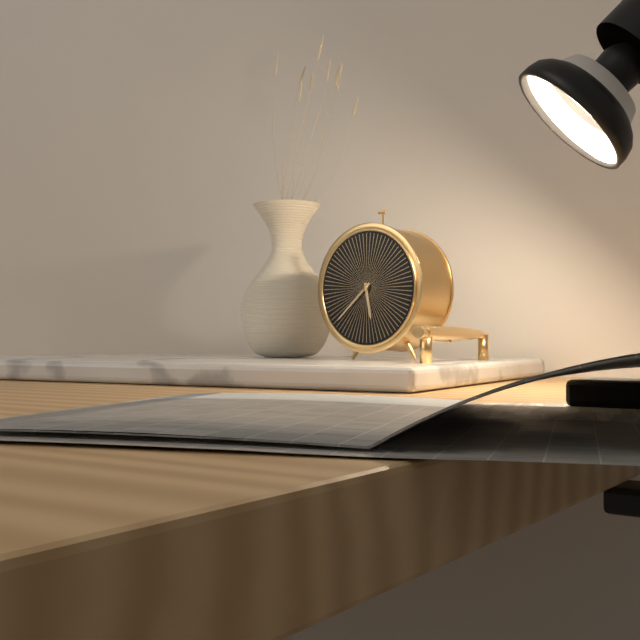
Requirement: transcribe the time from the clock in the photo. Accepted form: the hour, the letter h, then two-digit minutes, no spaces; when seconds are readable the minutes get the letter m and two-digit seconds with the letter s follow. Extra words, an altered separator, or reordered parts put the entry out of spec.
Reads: 5h38
